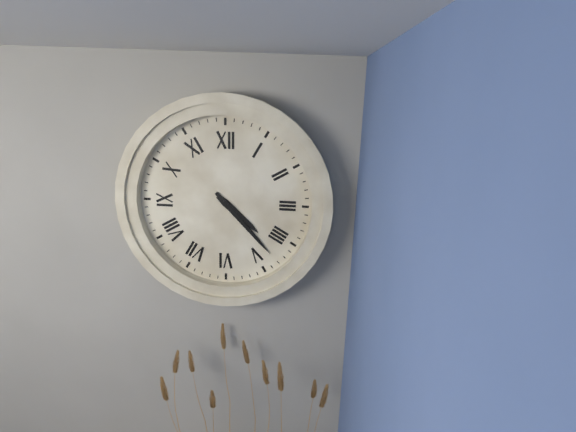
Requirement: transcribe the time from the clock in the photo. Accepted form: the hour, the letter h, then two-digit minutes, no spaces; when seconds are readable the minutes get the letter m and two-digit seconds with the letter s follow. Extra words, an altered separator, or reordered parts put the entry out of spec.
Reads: 4h23
